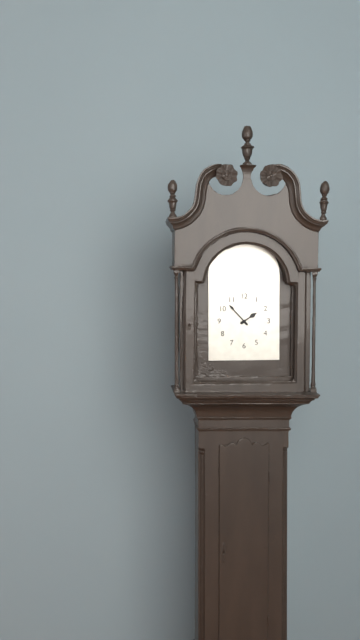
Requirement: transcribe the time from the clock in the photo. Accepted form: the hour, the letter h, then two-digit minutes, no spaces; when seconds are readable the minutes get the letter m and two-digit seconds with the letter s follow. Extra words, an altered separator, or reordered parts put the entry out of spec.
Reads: 1h53
